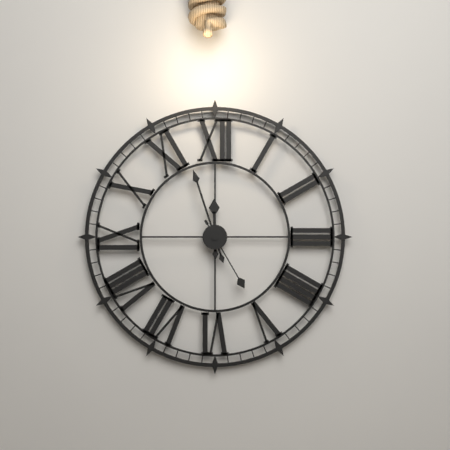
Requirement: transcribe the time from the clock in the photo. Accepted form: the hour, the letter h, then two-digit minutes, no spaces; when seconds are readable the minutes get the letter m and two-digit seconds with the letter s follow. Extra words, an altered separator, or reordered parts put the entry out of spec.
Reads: 11h57m25s
